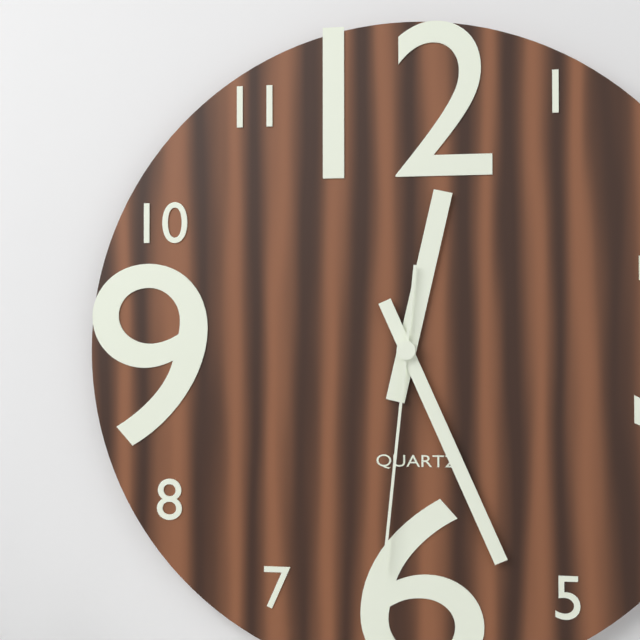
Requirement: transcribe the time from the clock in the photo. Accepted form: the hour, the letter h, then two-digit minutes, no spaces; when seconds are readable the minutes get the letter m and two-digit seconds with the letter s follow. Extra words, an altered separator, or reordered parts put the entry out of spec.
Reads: 12h26m31s
